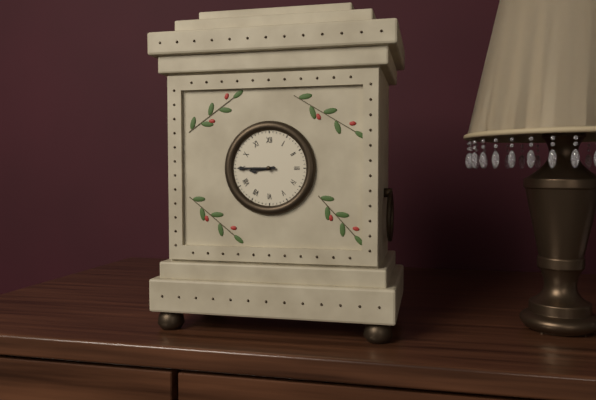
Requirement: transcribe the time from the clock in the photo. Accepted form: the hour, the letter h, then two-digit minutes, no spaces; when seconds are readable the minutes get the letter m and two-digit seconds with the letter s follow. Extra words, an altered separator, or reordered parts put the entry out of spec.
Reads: 8h45
